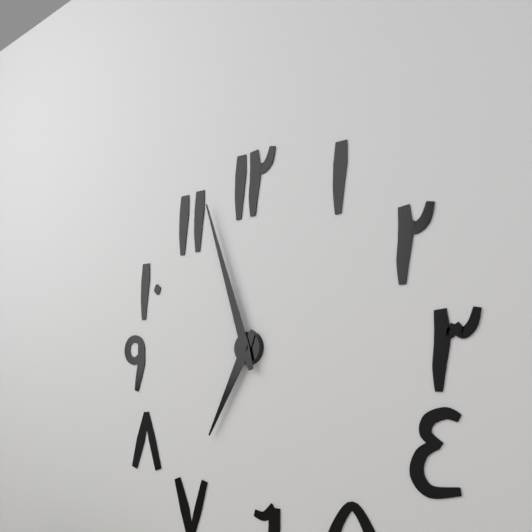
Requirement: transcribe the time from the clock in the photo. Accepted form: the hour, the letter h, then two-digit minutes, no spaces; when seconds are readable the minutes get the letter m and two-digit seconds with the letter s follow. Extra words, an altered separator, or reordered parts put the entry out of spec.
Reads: 6h57
